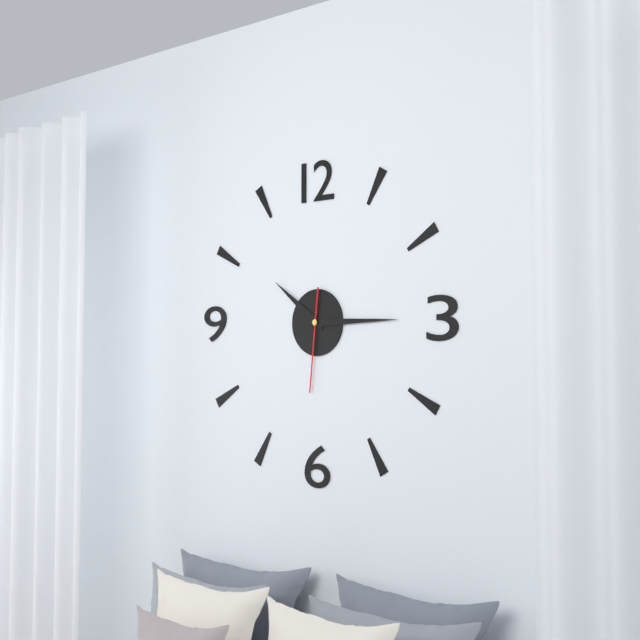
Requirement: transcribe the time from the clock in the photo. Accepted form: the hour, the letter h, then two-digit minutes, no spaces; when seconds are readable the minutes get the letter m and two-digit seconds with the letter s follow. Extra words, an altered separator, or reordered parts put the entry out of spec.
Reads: 10h15m31s
